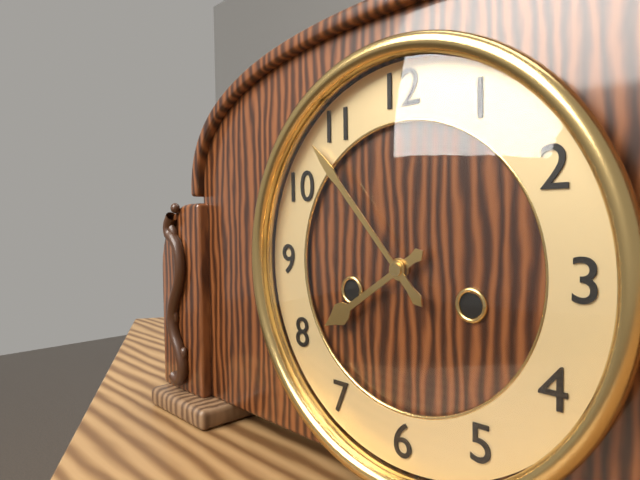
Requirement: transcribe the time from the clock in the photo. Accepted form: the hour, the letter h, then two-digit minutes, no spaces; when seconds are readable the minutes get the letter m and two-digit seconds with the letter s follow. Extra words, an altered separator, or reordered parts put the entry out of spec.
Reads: 7h53
